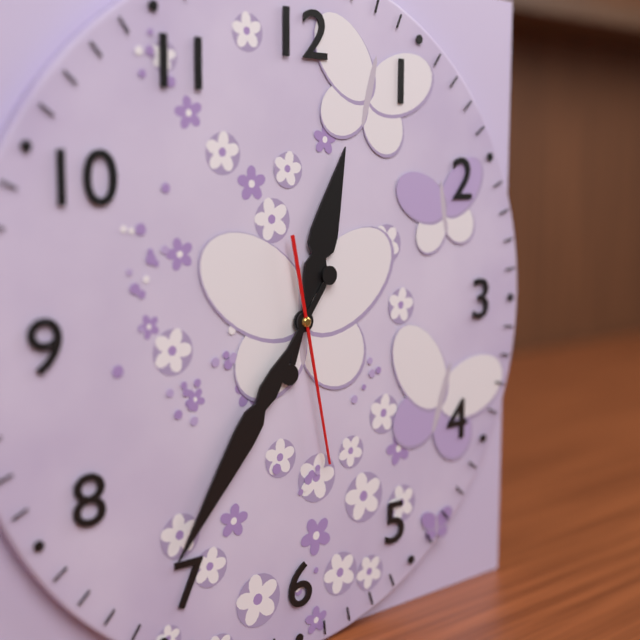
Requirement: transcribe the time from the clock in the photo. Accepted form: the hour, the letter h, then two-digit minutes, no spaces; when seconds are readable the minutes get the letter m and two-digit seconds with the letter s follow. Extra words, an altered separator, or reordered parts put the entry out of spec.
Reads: 12h36m28s
